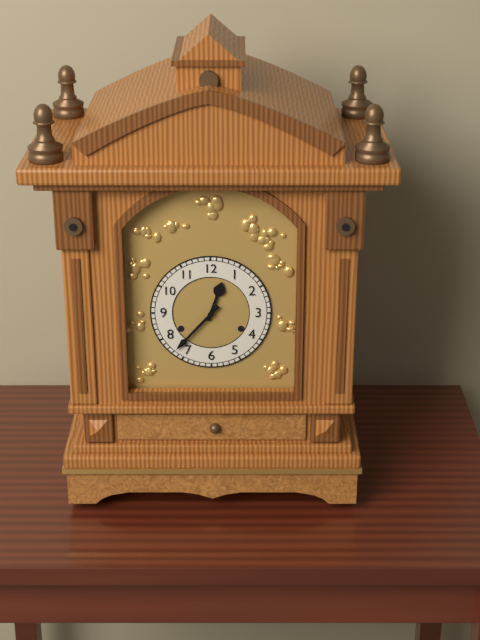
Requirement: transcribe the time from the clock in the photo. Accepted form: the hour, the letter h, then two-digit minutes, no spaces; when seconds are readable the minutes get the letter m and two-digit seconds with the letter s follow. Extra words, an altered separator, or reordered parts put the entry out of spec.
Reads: 12h37
